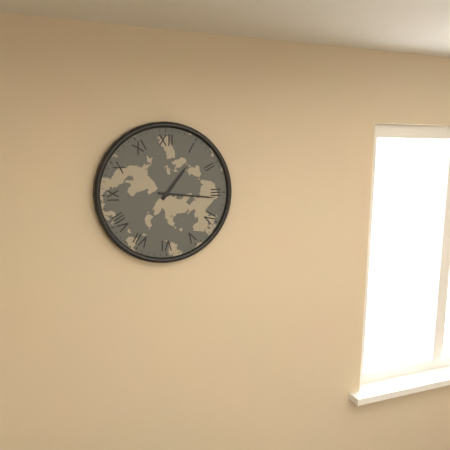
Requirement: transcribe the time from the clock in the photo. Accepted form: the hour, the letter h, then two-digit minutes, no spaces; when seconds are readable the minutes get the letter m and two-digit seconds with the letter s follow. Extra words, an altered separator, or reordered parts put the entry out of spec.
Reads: 1h16
